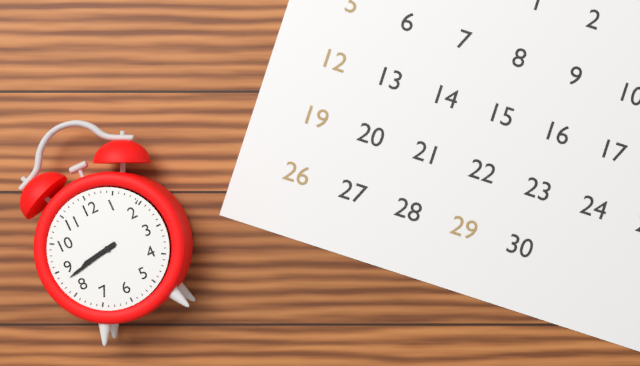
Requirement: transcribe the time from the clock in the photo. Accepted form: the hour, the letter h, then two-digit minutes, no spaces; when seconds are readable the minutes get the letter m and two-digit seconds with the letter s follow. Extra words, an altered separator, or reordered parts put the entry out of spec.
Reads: 8h43
